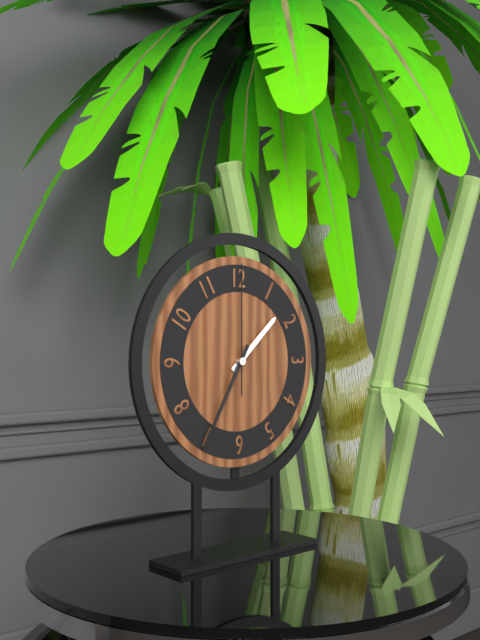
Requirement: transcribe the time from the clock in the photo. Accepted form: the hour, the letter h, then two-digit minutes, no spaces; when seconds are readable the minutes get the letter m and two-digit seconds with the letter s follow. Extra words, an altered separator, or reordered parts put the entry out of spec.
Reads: 1h35m00s
